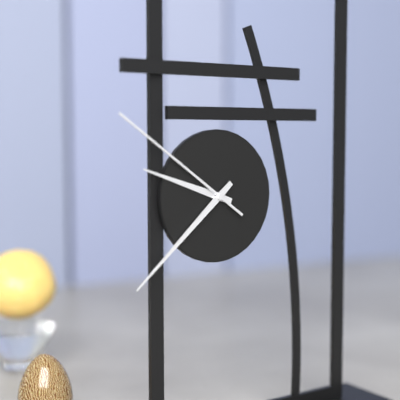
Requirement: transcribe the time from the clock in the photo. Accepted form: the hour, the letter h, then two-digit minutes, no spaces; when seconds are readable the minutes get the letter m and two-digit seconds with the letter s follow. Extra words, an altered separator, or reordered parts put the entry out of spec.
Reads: 9h38m51s
